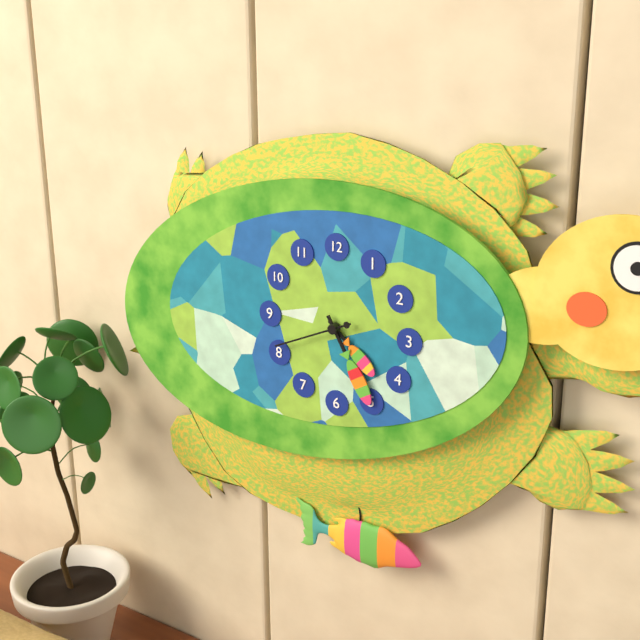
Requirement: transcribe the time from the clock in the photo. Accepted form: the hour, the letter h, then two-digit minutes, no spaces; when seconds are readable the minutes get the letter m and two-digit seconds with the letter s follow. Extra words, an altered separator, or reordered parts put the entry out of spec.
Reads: 4h25m41s
